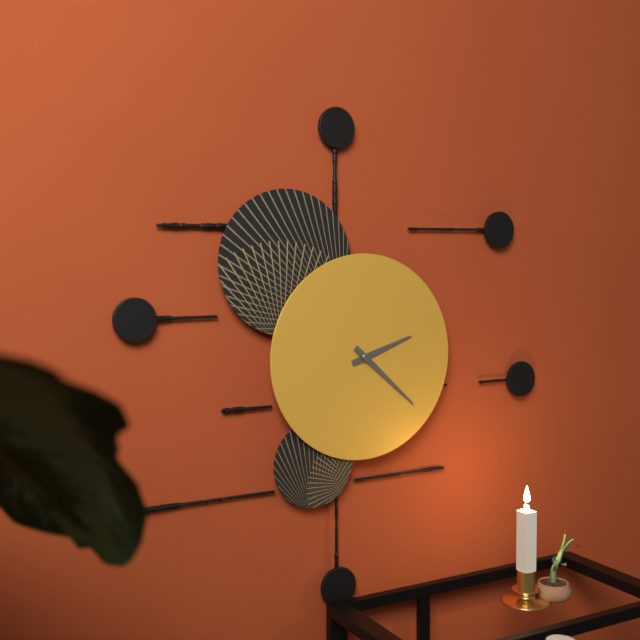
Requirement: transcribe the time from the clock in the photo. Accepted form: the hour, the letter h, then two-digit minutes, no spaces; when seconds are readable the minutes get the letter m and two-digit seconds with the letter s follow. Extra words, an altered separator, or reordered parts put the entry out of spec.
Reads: 2h22
